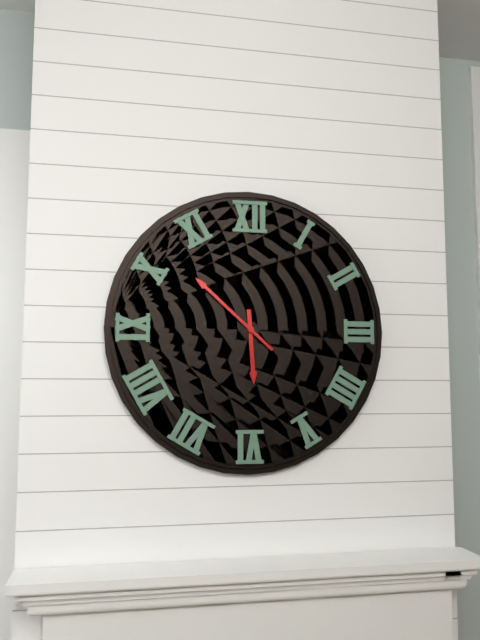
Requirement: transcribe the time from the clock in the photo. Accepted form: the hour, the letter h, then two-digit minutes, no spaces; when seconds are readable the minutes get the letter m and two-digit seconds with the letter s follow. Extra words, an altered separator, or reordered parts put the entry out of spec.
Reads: 5h52
